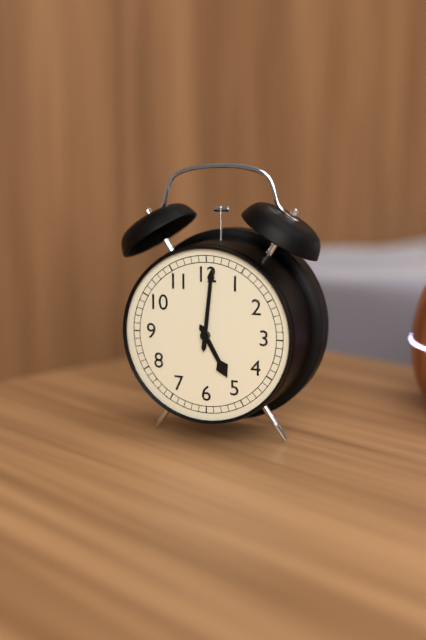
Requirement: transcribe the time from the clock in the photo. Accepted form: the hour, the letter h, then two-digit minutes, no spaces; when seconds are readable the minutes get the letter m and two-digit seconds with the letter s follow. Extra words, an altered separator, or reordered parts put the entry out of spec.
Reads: 5h01
